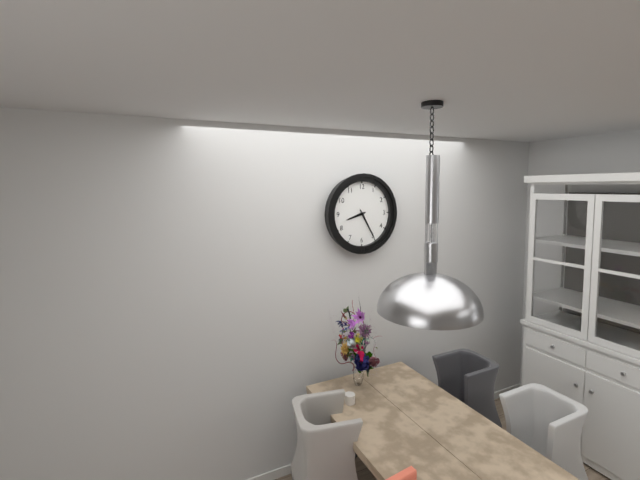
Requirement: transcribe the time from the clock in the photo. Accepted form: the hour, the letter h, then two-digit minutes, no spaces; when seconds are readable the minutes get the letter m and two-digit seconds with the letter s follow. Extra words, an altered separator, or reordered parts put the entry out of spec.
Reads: 8h25
